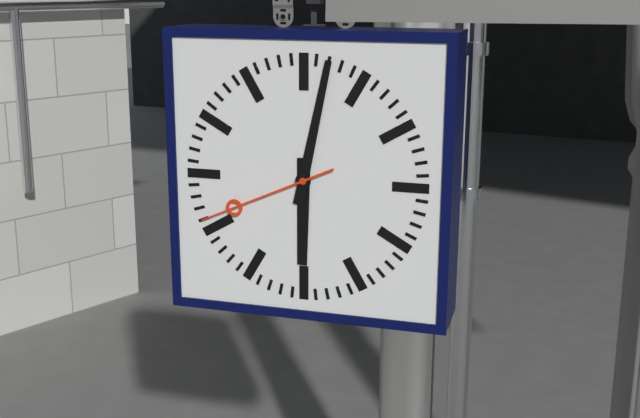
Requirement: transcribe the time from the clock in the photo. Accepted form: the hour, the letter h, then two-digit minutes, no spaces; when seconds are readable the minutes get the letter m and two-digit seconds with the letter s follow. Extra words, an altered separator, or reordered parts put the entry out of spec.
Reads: 6h02m41s
